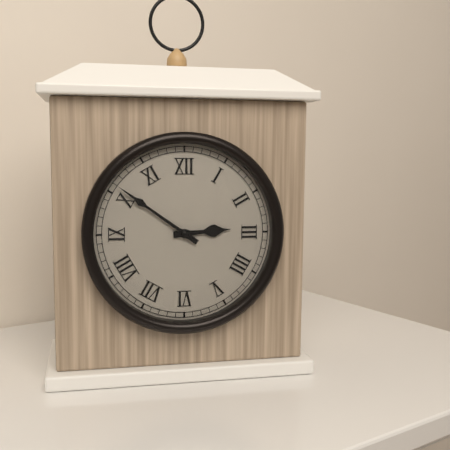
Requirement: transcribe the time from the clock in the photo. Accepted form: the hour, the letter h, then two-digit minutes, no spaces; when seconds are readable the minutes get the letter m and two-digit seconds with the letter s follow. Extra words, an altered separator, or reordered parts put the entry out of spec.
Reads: 2h51
